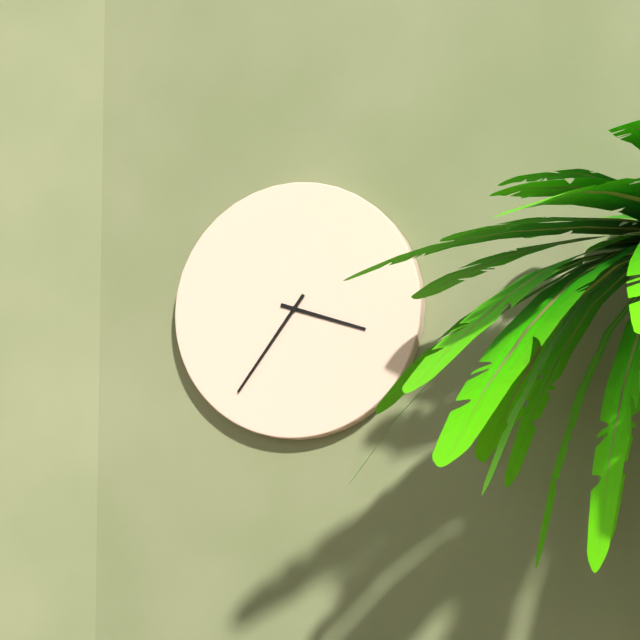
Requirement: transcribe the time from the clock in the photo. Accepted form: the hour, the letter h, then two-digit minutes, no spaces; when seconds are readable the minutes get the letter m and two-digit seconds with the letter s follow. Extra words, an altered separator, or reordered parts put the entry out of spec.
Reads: 3h36
